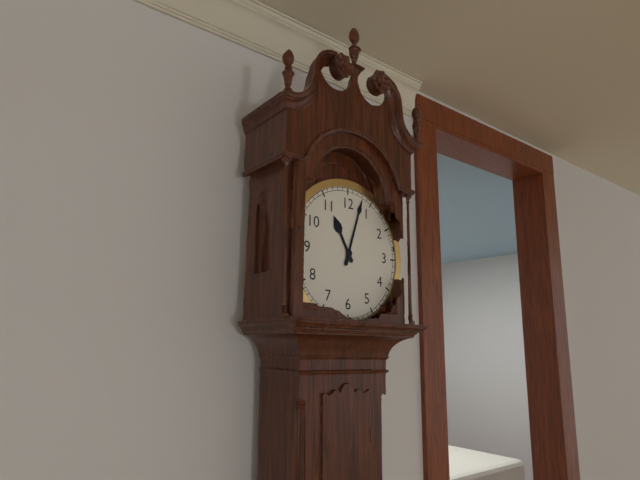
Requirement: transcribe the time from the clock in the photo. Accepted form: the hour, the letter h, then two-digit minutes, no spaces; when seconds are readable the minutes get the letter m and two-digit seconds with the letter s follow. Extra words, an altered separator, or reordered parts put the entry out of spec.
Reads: 11h03
